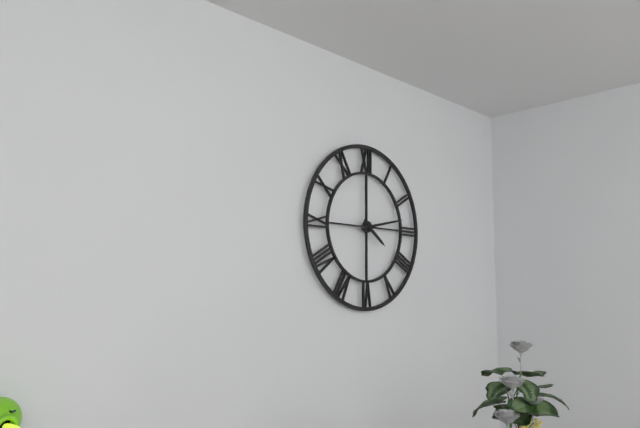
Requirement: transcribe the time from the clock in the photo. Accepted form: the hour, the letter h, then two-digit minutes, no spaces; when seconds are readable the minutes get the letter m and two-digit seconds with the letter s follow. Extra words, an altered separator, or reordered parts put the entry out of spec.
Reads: 4h13
